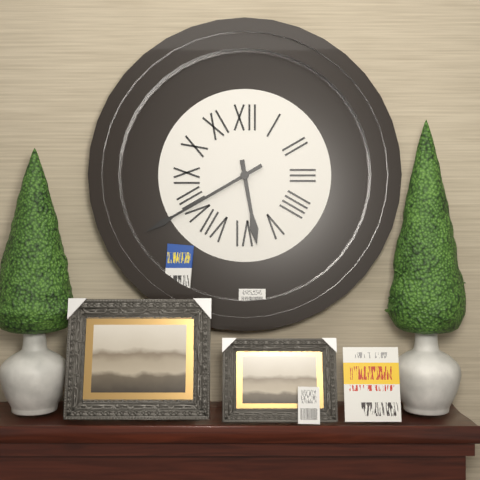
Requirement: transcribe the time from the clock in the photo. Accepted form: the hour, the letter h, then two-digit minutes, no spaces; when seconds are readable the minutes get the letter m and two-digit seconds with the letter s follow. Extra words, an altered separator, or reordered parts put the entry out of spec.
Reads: 5h40
